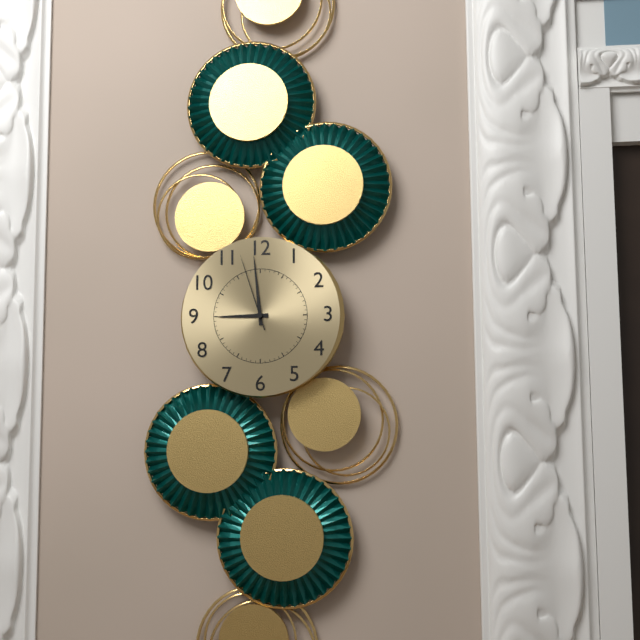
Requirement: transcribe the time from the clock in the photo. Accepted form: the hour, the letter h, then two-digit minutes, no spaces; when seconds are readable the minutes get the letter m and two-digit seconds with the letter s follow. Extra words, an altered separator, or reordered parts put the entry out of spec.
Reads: 8h59m57s
